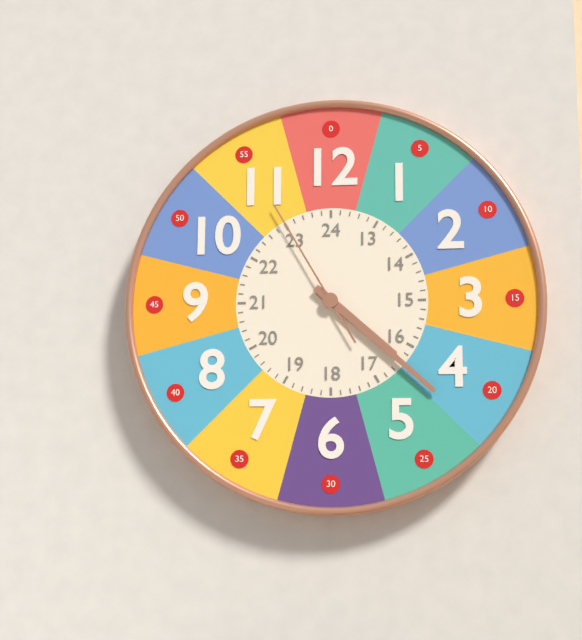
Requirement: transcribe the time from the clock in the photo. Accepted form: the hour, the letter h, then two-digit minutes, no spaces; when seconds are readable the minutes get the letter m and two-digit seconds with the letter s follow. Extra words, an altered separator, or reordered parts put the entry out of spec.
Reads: 4h22m55s
